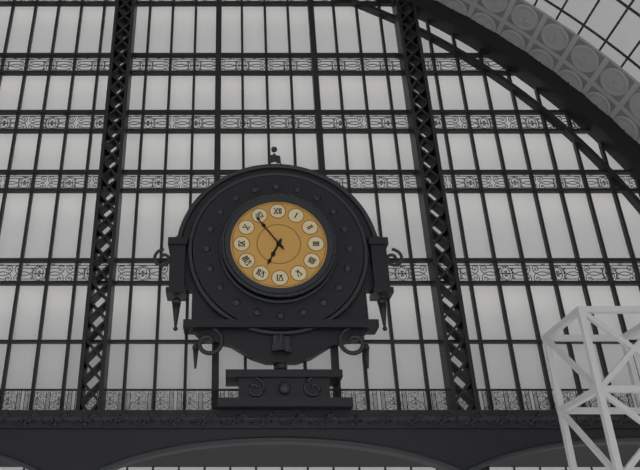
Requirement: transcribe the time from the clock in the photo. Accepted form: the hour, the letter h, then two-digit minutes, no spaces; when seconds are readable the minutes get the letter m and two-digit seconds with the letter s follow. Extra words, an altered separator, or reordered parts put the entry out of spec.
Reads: 6h54
